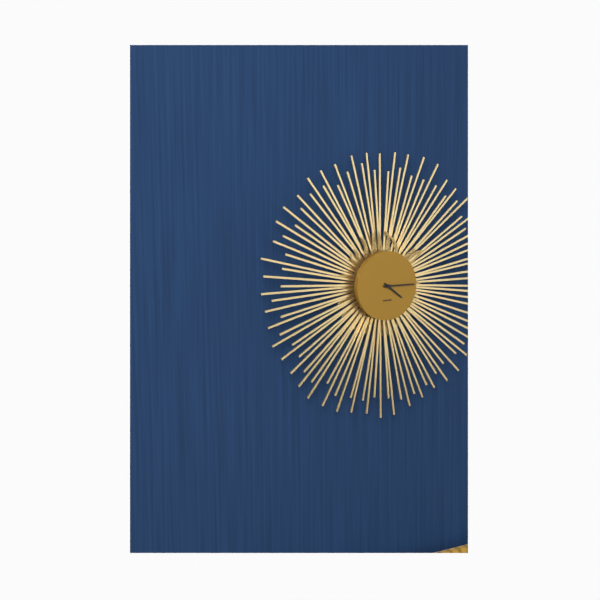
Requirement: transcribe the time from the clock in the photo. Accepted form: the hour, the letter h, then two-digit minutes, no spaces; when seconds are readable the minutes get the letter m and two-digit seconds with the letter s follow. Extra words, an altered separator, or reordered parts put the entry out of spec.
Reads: 4h15
